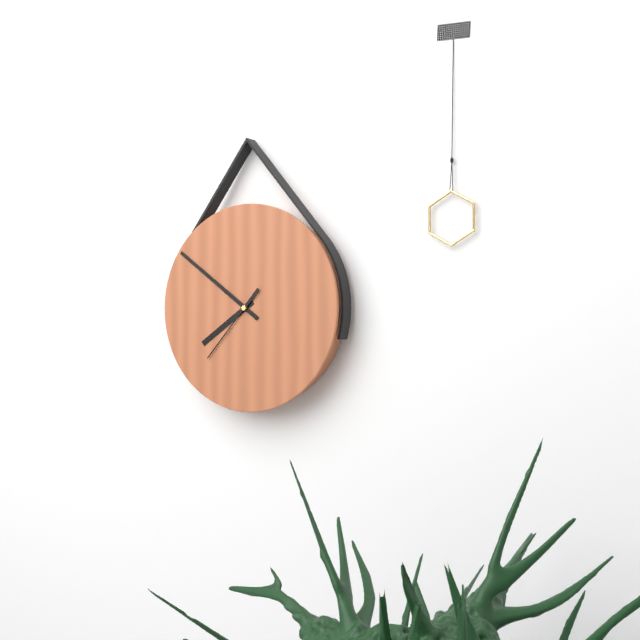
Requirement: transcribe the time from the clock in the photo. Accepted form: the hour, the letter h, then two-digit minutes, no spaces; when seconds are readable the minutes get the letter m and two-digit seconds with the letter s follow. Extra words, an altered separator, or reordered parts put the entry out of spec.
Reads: 7h51m37s
